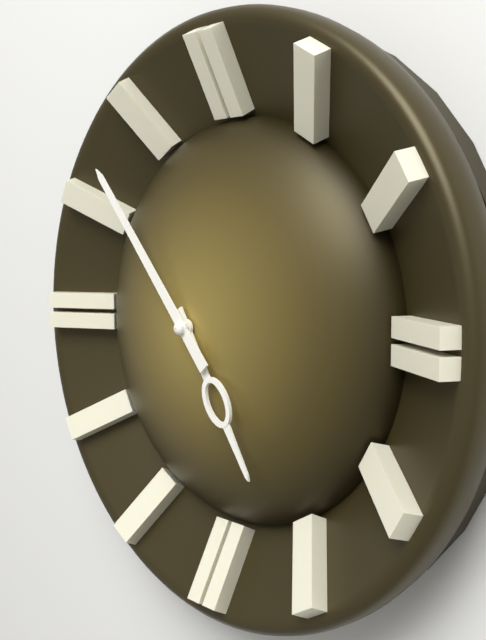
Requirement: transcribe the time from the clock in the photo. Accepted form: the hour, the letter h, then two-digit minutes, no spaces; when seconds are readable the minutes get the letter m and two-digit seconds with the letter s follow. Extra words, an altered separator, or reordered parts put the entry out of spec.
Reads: 4h53
